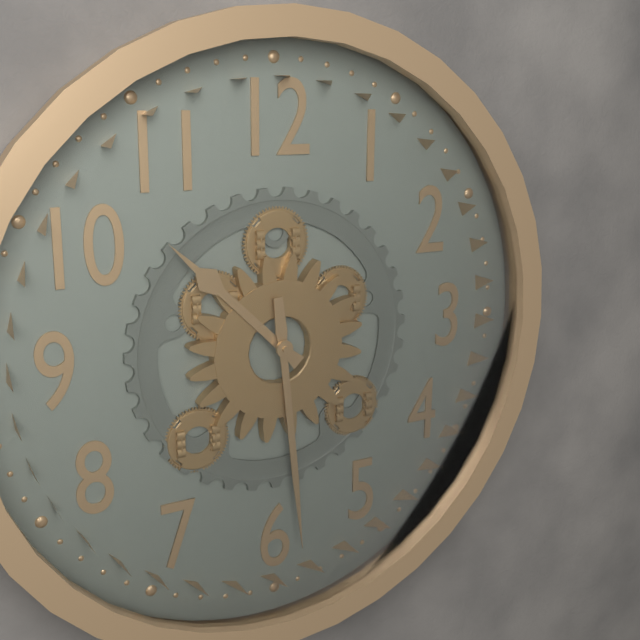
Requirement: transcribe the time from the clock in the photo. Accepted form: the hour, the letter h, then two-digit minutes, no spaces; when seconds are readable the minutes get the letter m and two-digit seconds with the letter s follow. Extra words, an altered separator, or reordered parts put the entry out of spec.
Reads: 10h29
